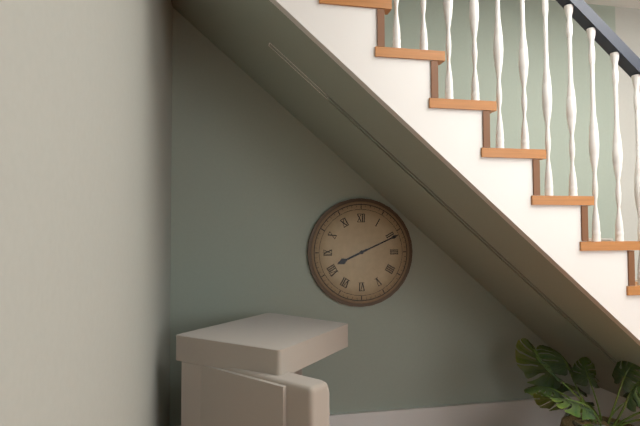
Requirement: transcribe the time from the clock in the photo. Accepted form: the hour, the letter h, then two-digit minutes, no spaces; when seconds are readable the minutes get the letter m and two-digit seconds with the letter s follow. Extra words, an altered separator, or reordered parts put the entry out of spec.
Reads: 8h11
